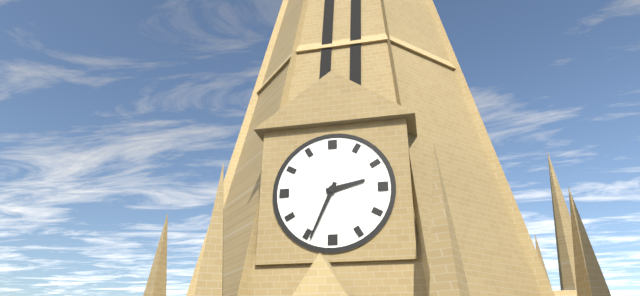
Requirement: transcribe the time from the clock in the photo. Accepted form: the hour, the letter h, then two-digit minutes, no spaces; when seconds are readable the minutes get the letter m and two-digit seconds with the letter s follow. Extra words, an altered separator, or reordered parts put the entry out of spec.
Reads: 2h34
